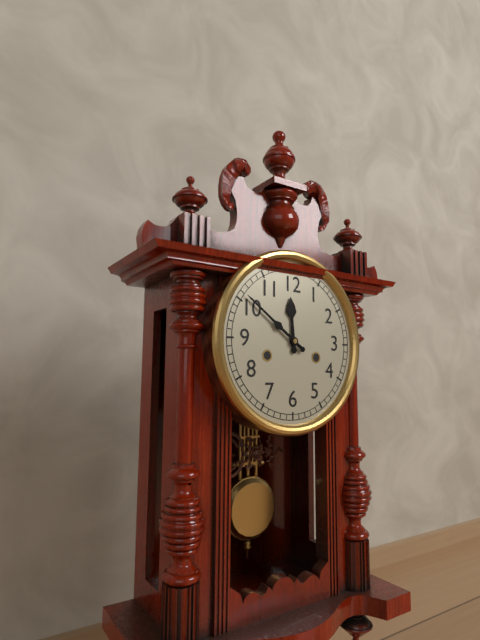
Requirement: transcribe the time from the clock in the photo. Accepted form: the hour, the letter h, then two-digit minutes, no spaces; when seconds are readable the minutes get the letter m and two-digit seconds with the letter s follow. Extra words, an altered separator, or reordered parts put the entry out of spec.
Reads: 11h51
